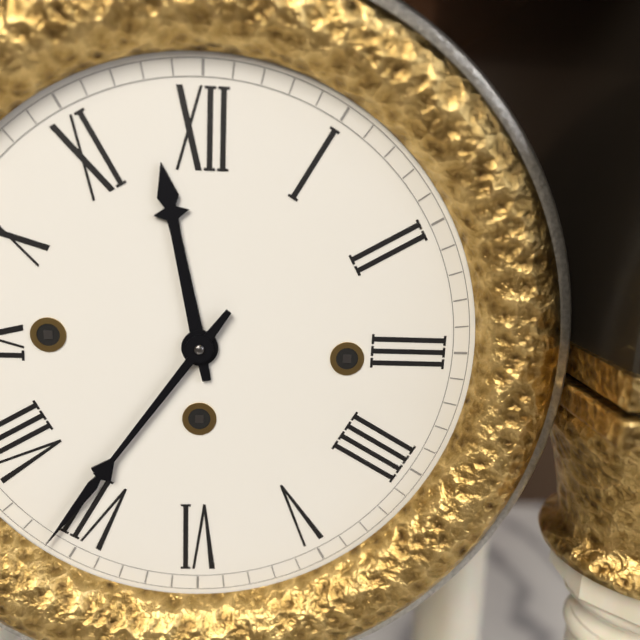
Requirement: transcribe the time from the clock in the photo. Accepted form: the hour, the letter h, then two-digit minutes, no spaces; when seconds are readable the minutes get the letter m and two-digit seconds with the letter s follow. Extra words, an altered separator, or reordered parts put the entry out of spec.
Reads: 11h36
